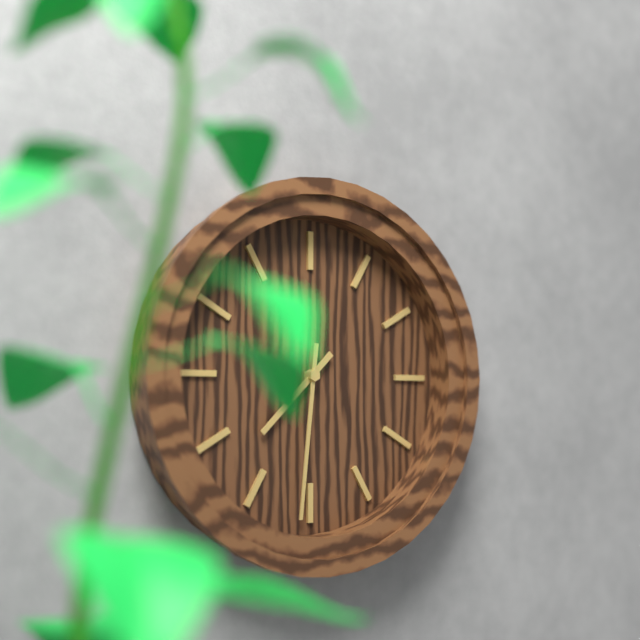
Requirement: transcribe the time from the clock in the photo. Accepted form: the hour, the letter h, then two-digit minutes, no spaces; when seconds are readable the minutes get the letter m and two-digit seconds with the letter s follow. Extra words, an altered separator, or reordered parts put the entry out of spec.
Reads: 7h31
